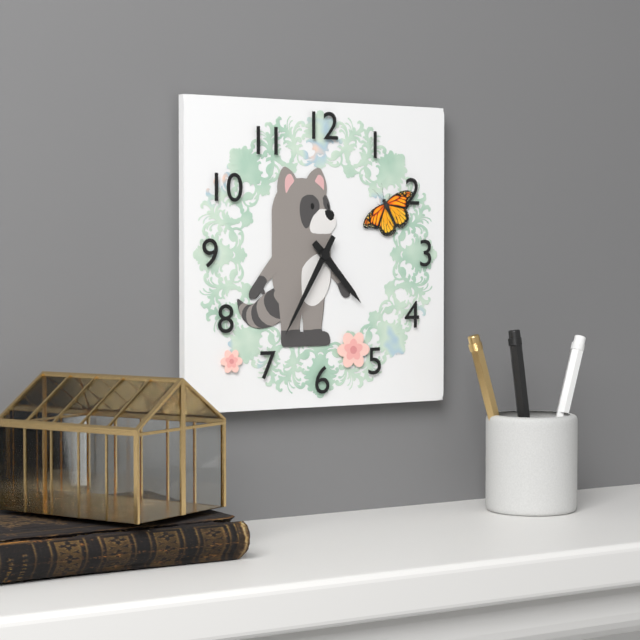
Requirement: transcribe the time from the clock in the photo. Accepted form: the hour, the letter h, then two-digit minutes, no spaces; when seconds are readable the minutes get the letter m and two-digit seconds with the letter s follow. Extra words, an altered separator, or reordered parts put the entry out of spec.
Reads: 4h35
